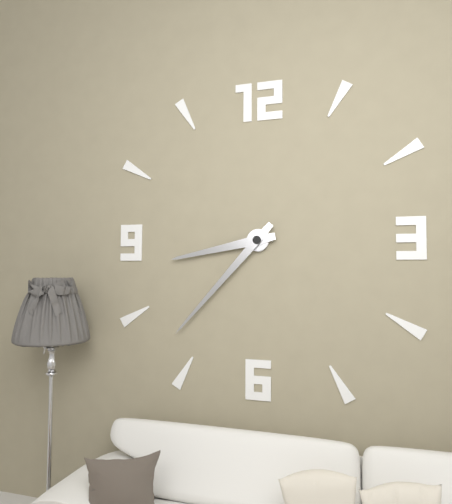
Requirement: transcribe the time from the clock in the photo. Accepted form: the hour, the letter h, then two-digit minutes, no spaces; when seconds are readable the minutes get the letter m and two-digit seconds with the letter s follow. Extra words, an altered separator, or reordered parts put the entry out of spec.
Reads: 8h37
